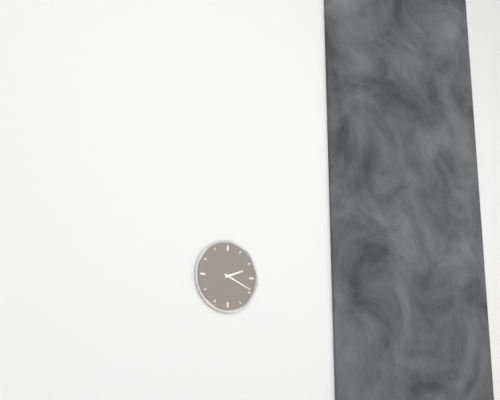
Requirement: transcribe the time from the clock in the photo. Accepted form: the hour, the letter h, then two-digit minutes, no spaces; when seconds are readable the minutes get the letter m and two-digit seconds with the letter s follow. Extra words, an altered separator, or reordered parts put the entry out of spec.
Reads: 2h19
